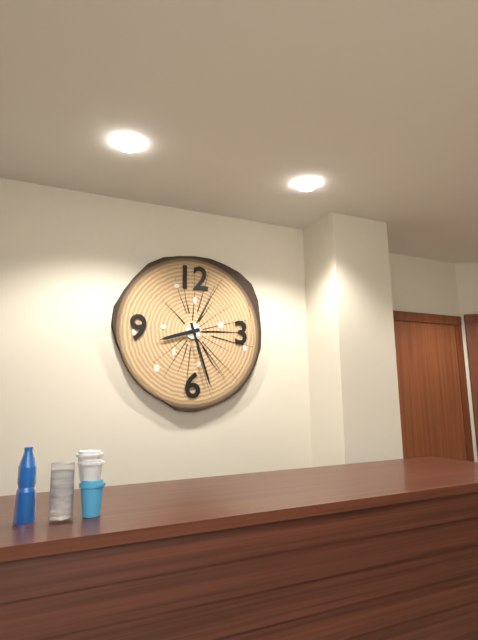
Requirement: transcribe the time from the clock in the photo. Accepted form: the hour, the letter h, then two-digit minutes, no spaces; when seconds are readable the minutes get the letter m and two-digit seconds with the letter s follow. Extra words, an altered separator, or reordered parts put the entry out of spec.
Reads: 8h27
